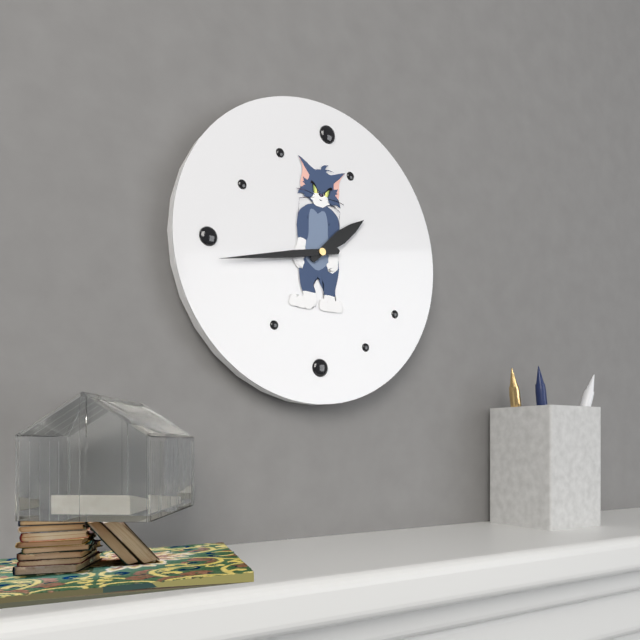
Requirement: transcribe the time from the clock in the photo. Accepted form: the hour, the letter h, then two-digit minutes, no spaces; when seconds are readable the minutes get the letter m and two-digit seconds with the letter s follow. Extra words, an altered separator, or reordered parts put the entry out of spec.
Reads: 1h43
